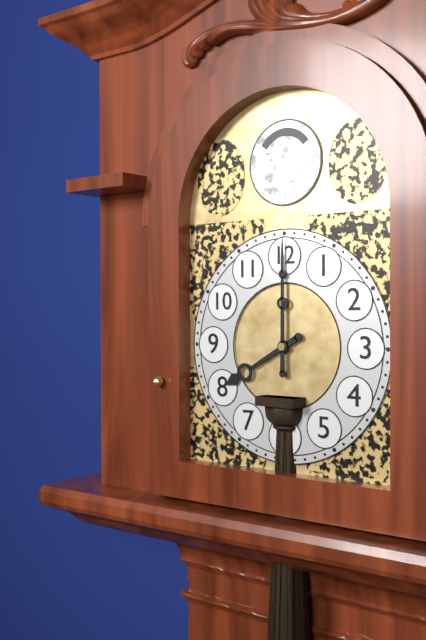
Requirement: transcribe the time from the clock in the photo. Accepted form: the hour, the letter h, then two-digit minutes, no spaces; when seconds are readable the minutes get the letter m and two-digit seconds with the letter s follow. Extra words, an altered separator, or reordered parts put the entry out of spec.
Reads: 8h00
